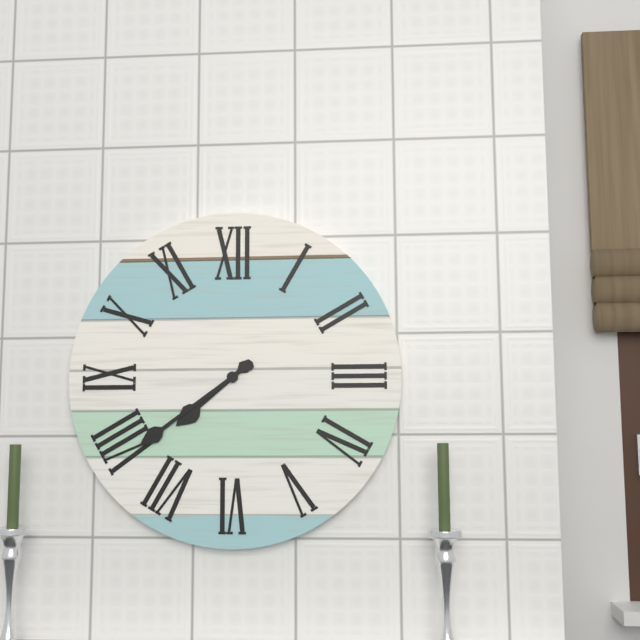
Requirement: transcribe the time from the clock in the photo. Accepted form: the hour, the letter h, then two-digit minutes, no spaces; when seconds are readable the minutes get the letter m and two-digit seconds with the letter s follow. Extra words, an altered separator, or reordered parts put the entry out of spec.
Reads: 7h39
